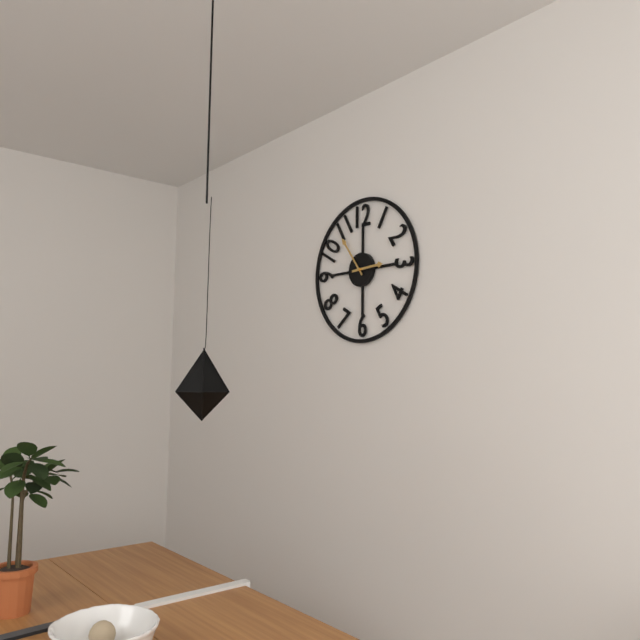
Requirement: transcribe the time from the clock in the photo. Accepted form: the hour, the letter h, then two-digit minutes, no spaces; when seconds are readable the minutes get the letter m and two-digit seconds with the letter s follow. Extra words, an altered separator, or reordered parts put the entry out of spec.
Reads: 2h54
